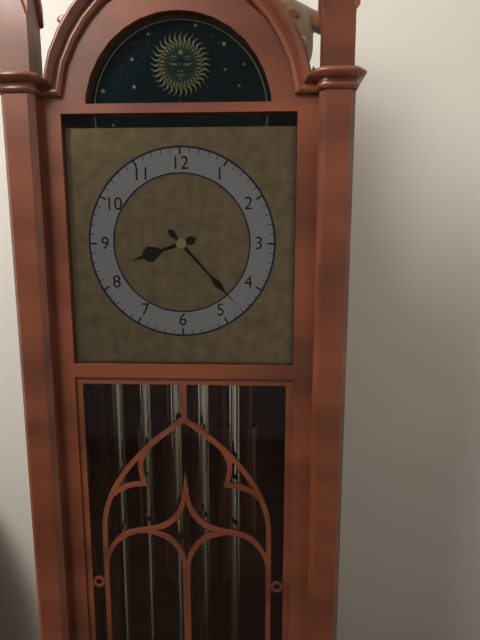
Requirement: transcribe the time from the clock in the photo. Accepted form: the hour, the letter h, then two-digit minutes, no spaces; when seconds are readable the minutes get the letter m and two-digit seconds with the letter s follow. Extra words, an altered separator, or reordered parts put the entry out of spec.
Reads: 8h23
